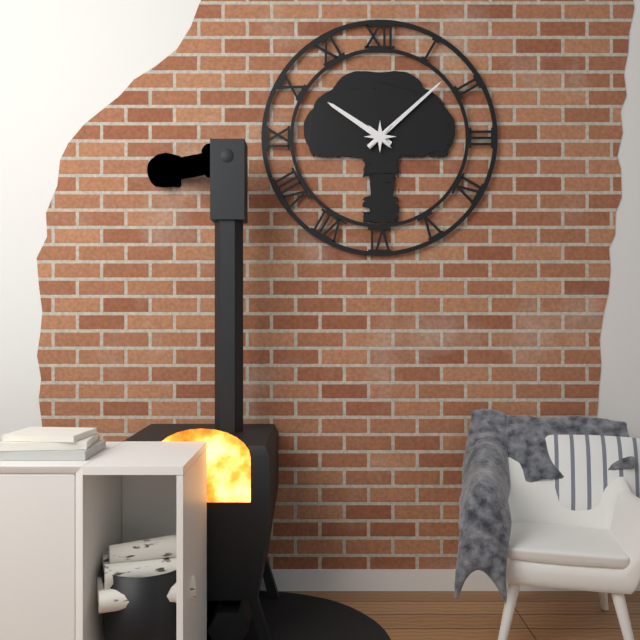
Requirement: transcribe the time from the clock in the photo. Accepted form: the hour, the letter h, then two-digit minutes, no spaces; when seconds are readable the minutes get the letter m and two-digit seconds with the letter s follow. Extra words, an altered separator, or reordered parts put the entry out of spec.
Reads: 10h08
